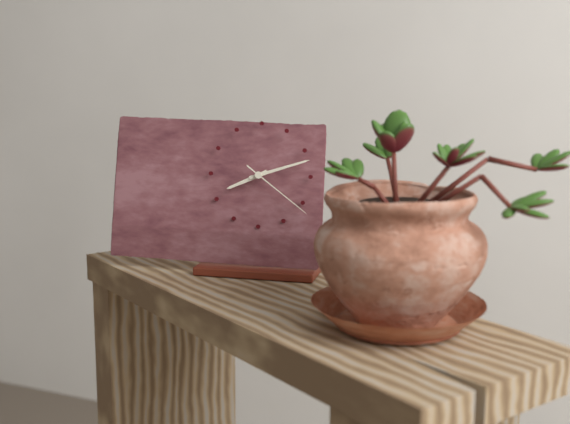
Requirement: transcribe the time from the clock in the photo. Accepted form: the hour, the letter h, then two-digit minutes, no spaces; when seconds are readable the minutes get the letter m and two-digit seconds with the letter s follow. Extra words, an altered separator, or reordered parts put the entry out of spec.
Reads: 8h12m21s
